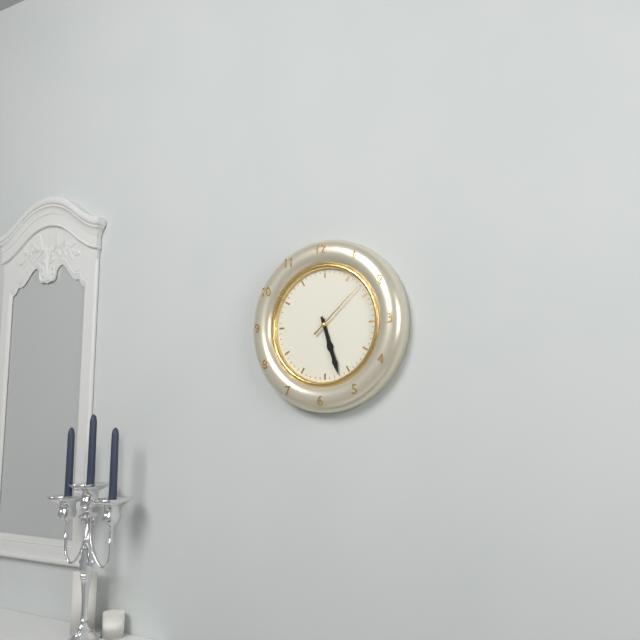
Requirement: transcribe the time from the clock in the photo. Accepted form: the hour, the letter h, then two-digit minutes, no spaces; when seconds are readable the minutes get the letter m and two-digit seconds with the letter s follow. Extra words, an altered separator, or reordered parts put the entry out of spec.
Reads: 5h27m08s
